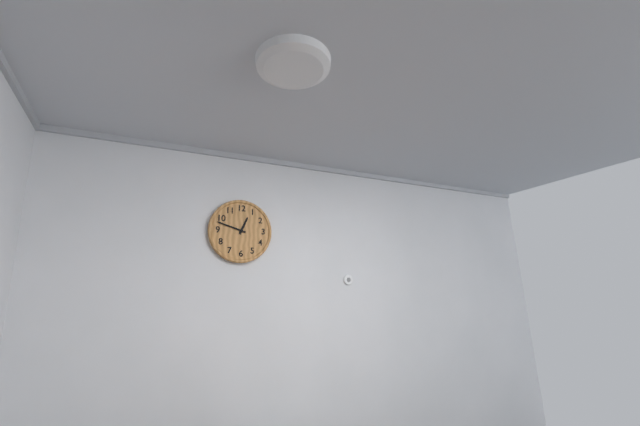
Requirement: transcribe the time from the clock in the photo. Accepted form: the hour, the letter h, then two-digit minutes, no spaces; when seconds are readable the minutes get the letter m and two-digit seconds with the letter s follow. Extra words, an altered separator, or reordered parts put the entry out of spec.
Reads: 12h48
